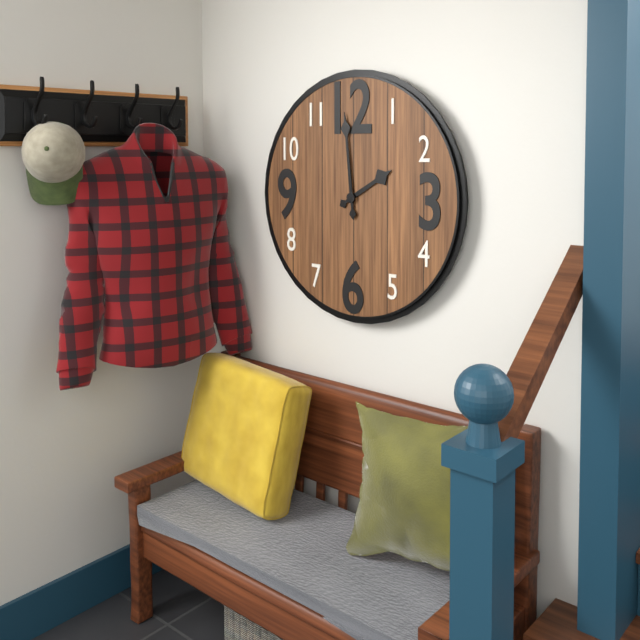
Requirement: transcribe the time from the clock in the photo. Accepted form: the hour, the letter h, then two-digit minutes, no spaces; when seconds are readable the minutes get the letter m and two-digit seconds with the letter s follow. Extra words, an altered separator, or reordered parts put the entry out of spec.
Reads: 1h59
